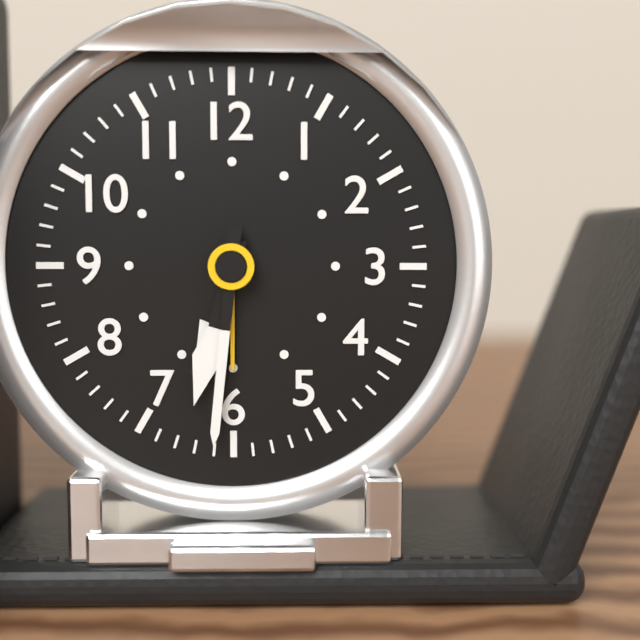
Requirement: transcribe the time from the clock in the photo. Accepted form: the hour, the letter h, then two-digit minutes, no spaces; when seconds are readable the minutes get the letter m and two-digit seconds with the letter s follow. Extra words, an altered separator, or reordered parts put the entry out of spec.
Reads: 6h31
